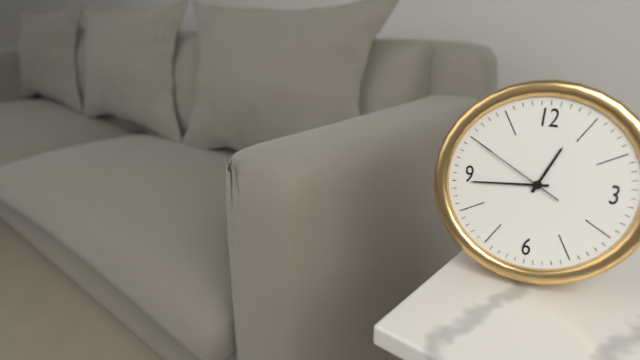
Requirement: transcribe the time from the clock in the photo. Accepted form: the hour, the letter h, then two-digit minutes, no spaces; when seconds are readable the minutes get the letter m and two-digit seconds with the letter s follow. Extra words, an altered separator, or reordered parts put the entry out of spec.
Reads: 12h44m50s
